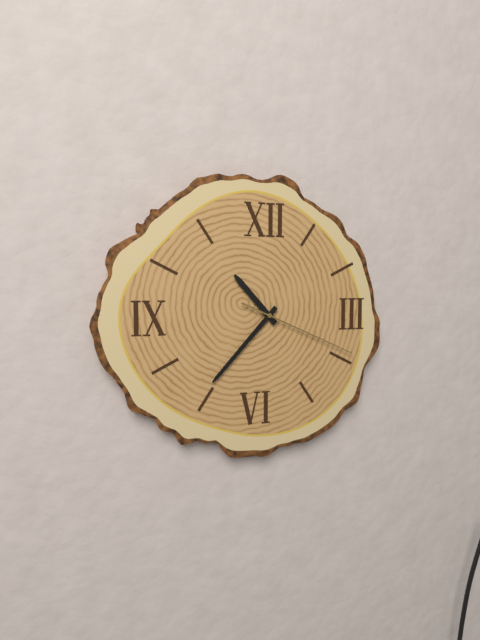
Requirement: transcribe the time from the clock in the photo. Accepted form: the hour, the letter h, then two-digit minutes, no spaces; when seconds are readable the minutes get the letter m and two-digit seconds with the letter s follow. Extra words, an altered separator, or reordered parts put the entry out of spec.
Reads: 10h37m19s
